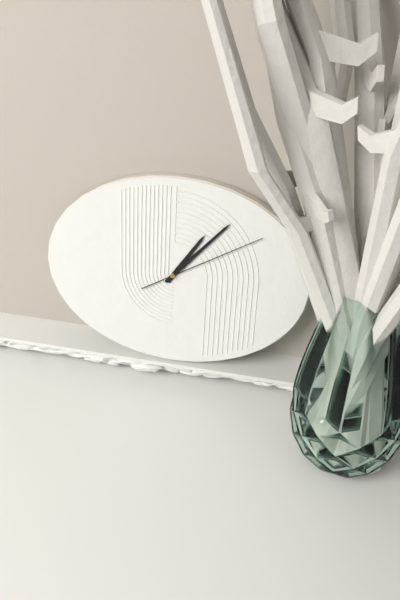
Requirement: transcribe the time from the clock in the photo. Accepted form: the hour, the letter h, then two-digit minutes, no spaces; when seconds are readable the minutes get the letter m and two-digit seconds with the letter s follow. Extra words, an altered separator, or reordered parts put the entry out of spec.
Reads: 1h07m10s
